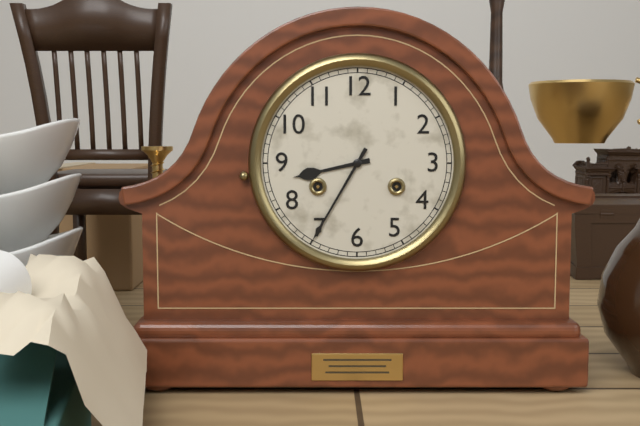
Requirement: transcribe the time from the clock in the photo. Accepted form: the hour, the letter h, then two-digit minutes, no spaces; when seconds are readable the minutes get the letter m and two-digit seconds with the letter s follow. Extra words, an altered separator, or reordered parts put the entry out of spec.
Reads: 8h35
